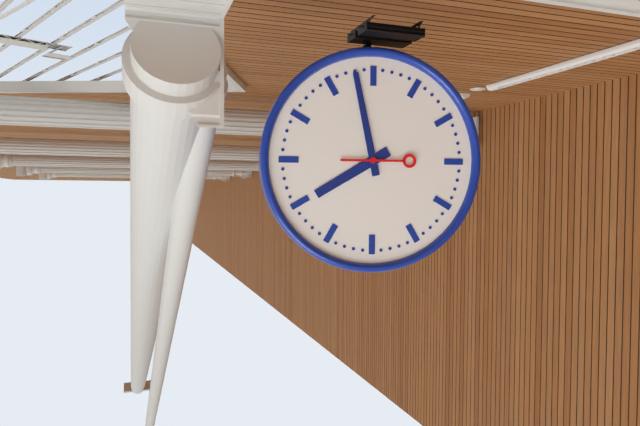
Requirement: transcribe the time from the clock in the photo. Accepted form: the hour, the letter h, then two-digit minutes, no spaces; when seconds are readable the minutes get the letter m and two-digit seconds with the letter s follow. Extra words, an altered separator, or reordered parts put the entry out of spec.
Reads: 7h58m15s
